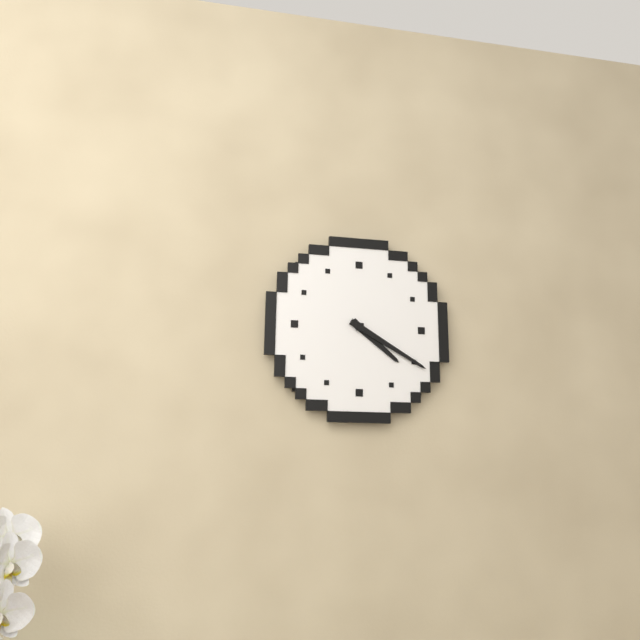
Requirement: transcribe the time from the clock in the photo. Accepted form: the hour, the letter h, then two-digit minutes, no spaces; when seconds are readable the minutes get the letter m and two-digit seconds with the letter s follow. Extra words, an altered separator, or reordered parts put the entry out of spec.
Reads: 4h20
